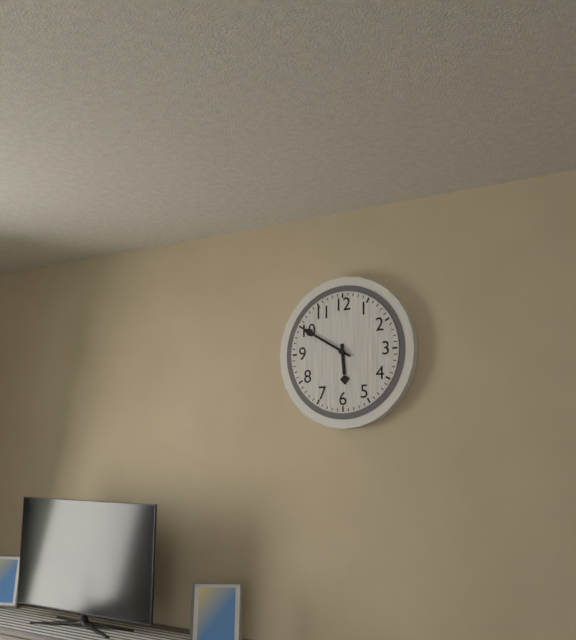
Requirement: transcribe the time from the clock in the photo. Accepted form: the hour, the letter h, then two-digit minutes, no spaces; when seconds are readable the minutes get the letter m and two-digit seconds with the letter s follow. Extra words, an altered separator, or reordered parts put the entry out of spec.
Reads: 5h50
